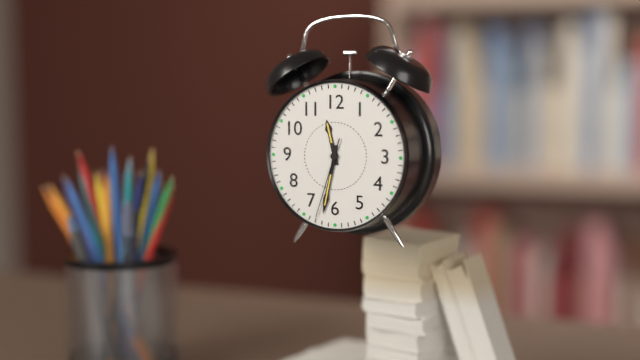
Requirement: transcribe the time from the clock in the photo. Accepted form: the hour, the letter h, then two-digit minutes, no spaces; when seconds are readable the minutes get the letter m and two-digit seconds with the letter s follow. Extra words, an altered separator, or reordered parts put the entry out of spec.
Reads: 11h32m33s
